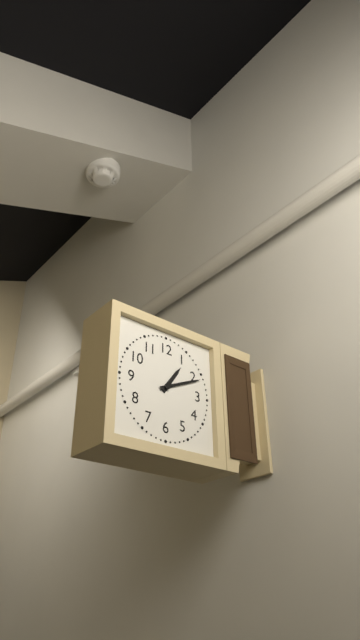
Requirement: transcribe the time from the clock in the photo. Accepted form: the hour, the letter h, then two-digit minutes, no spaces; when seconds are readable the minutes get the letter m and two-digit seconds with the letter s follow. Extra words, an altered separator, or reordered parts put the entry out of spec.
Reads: 1h11
